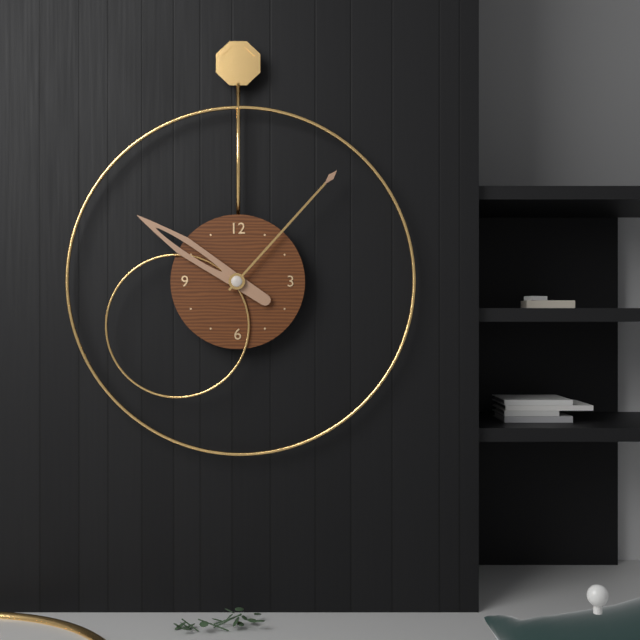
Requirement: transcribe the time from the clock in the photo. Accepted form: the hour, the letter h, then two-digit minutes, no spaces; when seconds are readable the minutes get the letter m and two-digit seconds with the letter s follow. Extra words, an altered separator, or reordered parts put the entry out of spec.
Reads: 10h07
